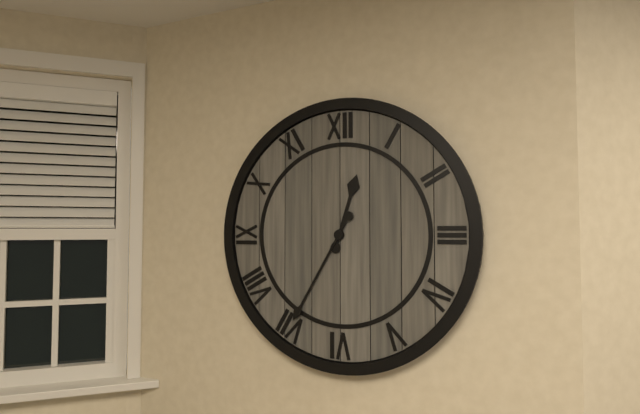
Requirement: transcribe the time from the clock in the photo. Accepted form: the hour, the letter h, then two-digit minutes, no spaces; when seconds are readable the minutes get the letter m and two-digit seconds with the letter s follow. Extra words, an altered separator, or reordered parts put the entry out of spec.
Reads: 12h35
